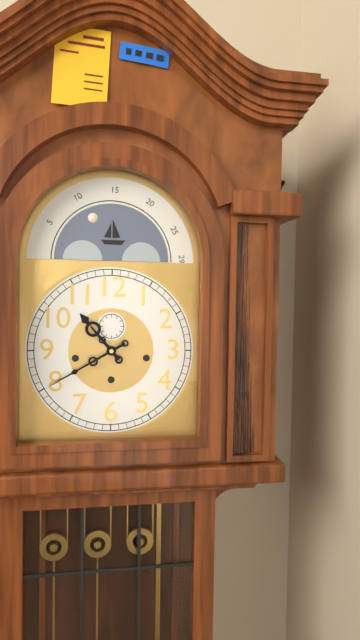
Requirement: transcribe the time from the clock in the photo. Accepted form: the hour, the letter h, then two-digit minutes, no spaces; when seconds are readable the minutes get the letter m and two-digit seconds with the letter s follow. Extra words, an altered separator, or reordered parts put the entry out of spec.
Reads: 10h40
